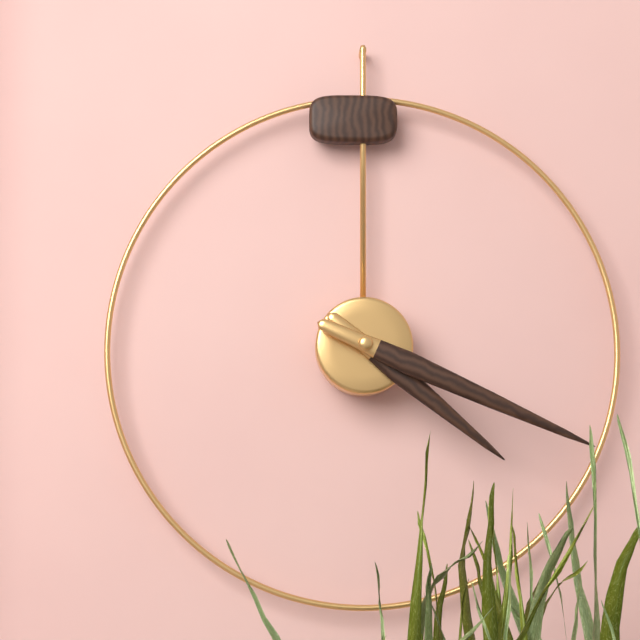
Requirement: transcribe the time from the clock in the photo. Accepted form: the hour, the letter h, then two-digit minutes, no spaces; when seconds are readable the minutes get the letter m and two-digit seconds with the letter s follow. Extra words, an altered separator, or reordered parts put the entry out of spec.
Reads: 4h19
